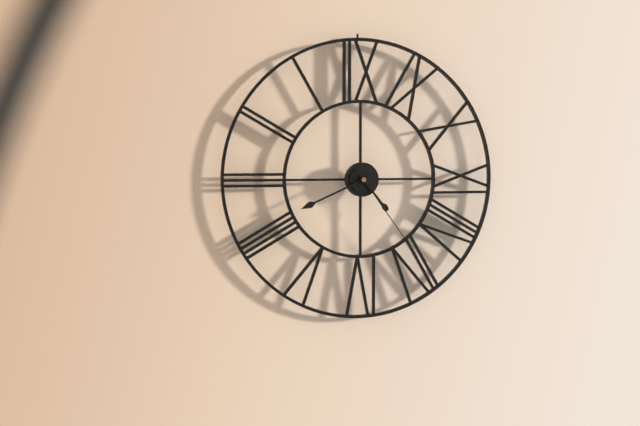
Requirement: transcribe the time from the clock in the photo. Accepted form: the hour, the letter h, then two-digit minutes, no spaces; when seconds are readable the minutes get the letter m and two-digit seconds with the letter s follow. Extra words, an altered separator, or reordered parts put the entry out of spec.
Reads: 4h41m24s
